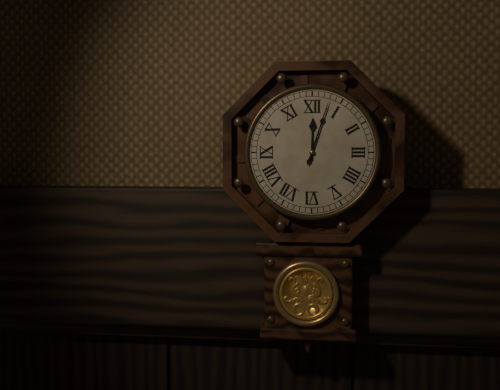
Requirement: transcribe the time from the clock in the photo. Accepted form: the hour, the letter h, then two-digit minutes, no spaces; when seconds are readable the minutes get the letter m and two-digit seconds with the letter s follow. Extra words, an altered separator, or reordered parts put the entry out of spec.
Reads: 12h03
